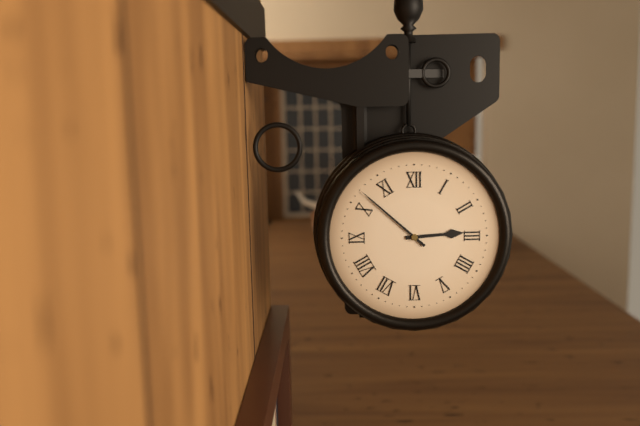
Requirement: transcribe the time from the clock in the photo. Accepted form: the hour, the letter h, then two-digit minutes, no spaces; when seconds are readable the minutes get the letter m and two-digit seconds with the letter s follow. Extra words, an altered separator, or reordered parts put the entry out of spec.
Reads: 2h52
